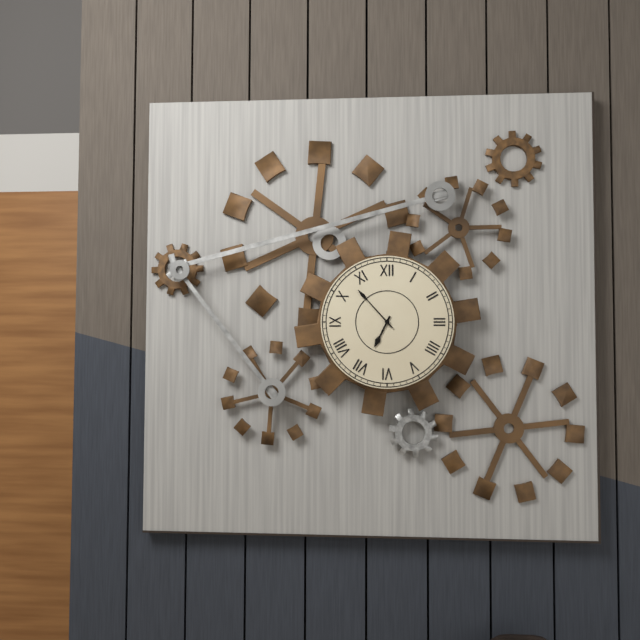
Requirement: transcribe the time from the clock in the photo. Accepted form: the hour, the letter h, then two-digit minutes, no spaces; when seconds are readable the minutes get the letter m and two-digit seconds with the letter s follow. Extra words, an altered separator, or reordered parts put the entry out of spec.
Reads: 6h53
